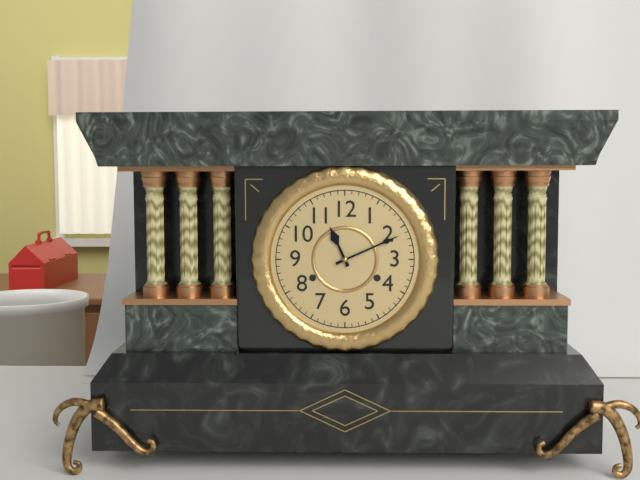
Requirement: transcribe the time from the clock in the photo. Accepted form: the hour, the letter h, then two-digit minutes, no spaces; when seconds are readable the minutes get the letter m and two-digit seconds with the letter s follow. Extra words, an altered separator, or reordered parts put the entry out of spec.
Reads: 11h11
